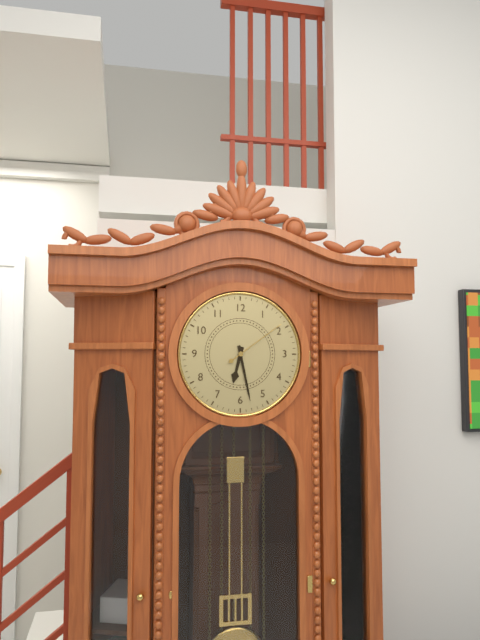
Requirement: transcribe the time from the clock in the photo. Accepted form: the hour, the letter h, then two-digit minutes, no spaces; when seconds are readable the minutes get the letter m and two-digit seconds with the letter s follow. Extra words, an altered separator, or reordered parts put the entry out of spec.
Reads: 6h28m09s
